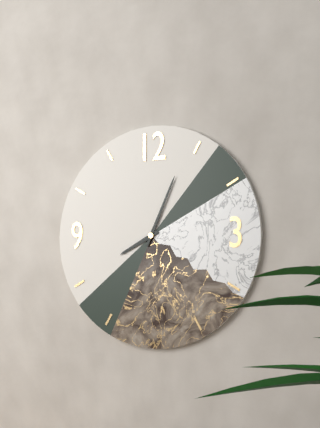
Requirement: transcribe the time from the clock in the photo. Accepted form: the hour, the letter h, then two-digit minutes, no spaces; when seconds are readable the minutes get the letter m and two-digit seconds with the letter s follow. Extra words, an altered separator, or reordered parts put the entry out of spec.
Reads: 8h04
